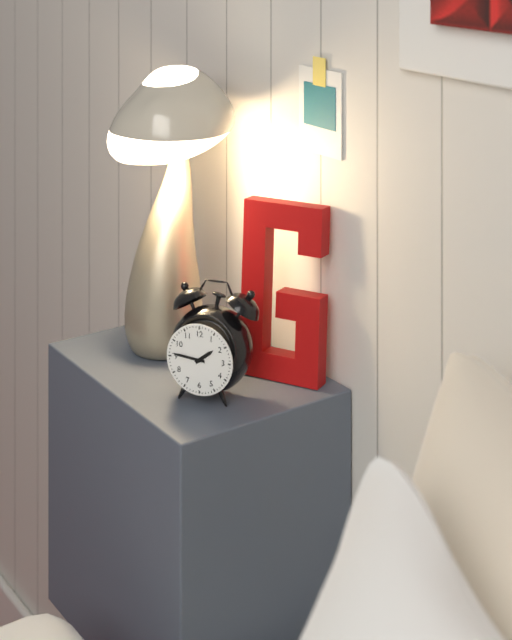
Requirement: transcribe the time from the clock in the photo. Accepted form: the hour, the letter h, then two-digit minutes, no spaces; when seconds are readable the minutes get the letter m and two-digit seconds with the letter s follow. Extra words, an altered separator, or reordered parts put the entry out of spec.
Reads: 1h46
